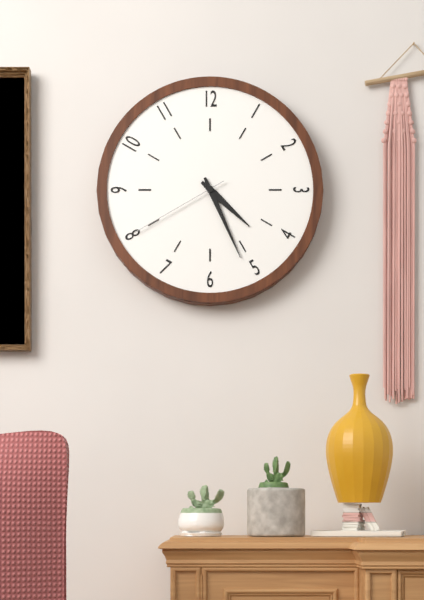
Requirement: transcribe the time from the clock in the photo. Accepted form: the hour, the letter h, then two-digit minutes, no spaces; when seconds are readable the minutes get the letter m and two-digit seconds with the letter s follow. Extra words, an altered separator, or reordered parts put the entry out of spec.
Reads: 4h26m40s
